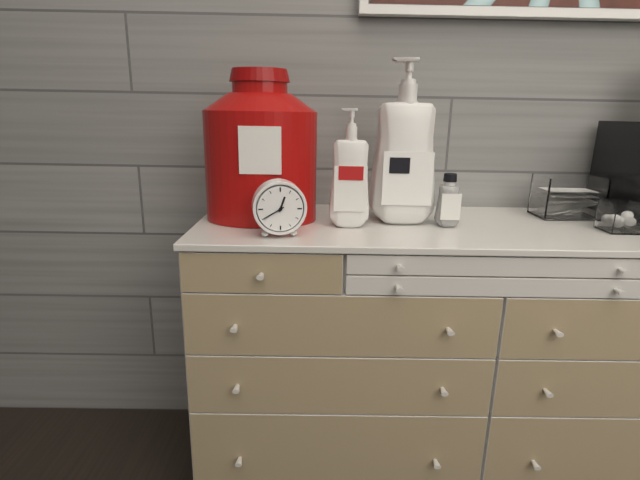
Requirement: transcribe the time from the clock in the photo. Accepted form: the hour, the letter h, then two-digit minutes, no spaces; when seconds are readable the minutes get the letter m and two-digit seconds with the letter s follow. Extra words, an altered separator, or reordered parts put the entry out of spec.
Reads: 12h40
